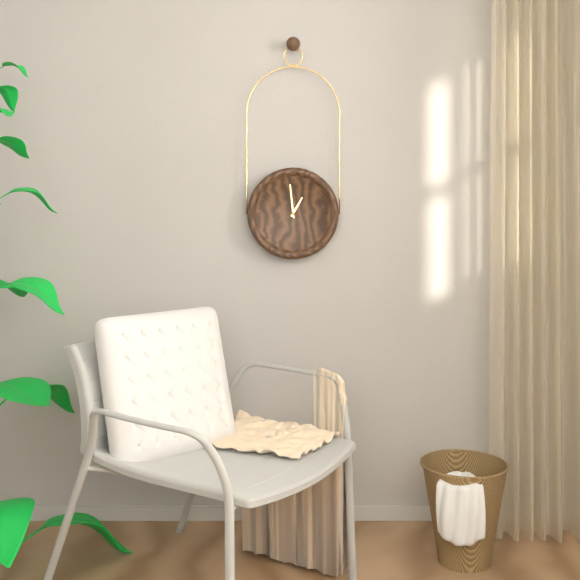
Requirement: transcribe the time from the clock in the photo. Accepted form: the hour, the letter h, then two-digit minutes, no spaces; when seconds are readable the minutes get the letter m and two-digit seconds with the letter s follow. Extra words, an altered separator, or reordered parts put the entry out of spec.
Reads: 12h59
